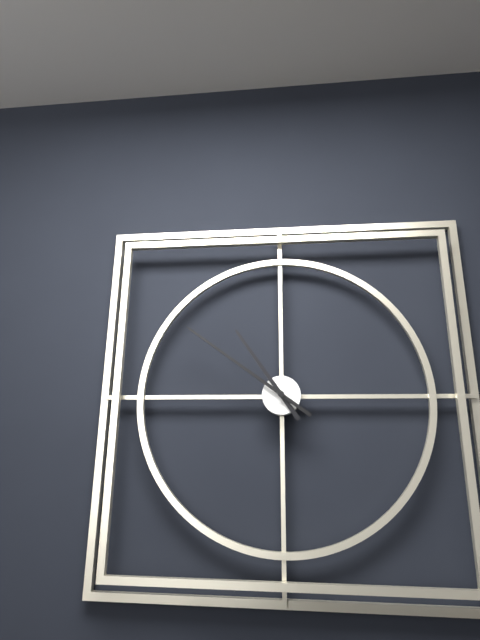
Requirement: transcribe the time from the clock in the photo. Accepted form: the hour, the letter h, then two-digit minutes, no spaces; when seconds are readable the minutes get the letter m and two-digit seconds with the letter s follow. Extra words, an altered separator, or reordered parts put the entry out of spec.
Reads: 10h51
